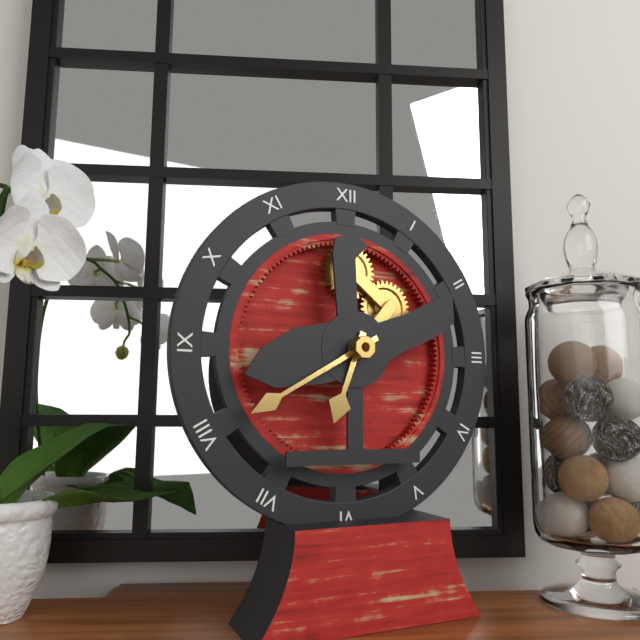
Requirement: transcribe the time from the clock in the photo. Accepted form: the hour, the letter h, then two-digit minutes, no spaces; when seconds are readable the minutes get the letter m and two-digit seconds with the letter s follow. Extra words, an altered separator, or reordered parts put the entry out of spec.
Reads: 6h40
